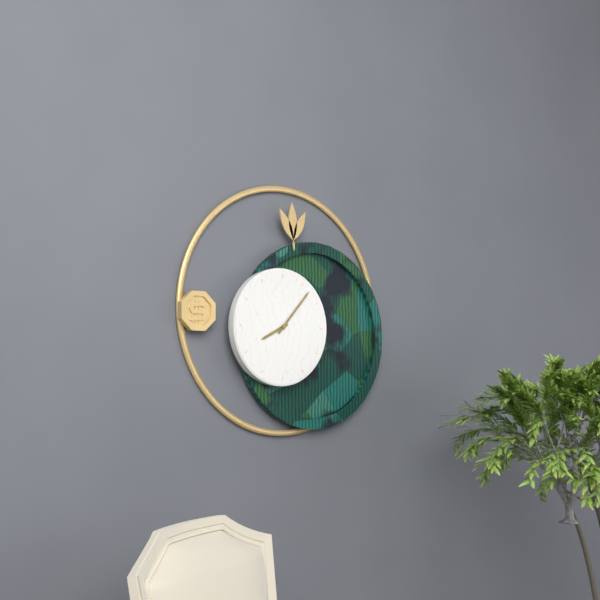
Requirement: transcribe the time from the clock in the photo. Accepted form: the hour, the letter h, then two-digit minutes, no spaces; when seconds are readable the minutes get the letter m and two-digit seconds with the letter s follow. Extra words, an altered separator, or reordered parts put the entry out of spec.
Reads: 8h07
